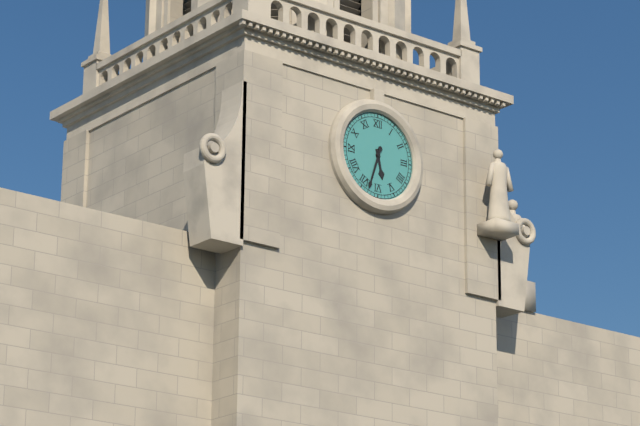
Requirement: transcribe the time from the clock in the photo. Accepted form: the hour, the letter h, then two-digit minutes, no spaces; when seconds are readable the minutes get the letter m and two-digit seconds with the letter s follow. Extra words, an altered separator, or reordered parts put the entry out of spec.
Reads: 5h33
